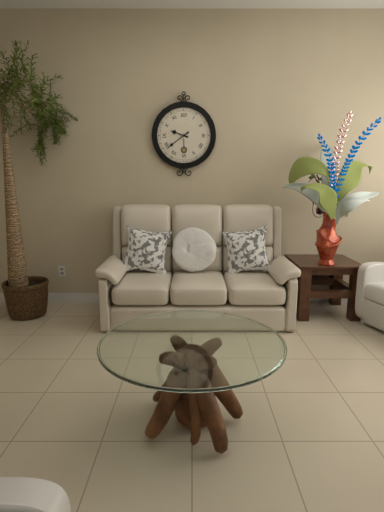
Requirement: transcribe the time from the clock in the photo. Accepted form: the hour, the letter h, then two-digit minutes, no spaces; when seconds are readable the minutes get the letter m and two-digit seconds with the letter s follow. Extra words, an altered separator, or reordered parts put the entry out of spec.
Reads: 9h39
